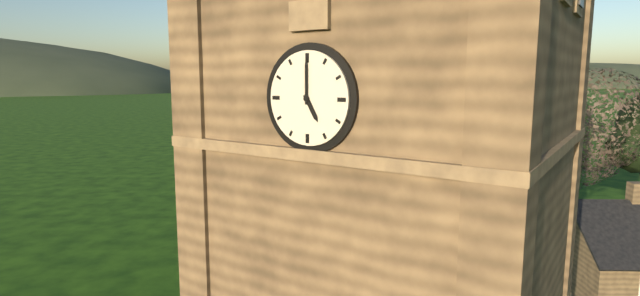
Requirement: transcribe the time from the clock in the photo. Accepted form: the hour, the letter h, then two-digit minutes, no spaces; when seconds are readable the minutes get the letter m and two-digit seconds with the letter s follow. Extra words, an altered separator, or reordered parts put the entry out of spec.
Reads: 5h00
